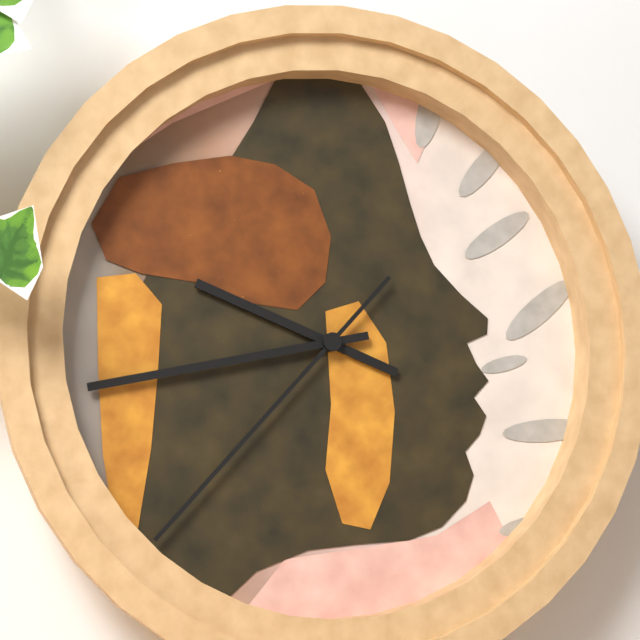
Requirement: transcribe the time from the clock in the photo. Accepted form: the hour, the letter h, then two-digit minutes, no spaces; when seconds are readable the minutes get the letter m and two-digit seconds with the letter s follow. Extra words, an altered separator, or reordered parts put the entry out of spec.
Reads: 9h43m37s
